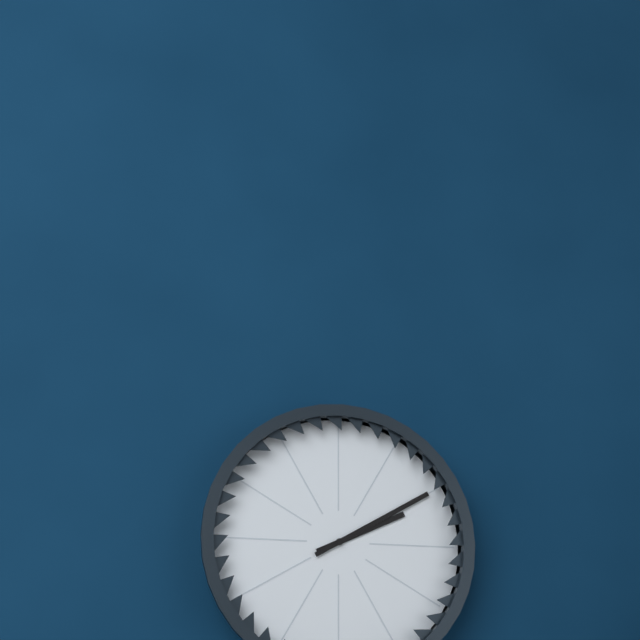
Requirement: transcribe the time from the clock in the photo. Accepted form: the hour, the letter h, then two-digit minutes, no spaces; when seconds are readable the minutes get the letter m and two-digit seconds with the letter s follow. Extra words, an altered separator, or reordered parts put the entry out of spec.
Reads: 2h10
